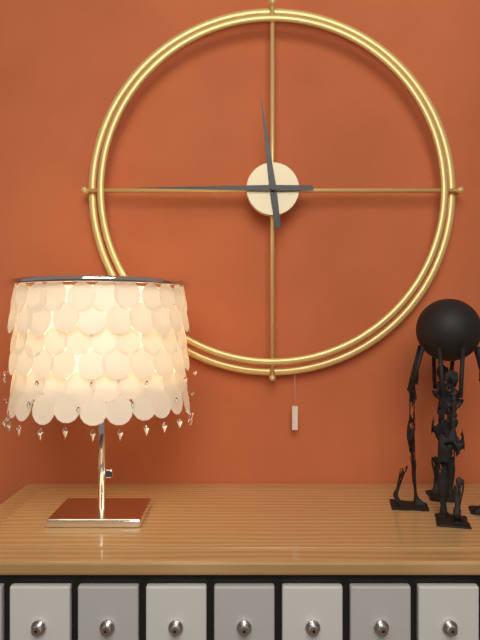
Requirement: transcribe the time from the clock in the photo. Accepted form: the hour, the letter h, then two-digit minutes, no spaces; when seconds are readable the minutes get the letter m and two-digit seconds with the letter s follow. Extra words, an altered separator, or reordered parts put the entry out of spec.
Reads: 11h45
